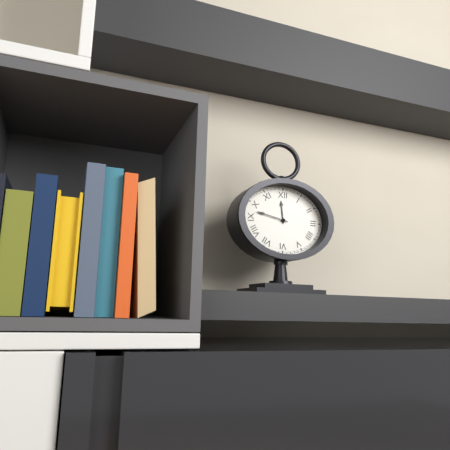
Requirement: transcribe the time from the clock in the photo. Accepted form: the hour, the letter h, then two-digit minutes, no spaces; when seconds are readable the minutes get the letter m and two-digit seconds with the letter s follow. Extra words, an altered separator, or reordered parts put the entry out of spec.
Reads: 11h47
